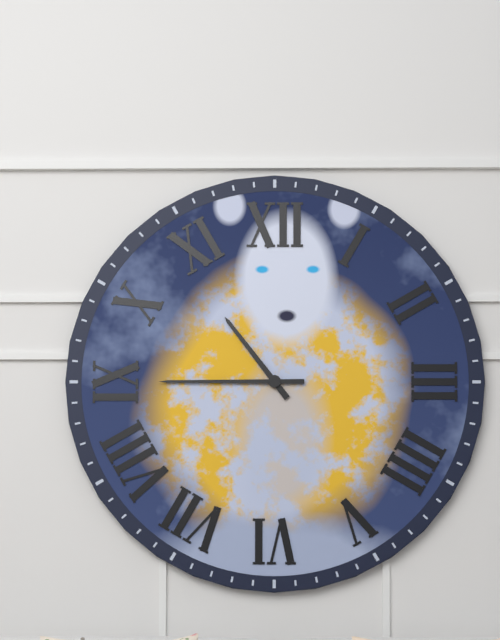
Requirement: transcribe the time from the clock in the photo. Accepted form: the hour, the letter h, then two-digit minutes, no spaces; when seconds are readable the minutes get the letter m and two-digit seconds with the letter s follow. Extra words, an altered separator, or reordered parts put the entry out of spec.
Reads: 10h45
